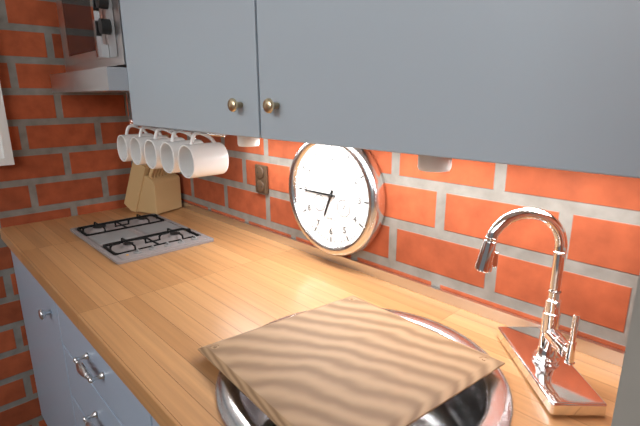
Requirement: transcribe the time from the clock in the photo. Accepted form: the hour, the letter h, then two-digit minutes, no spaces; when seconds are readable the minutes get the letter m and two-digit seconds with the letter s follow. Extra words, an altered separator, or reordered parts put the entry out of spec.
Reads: 6h45
